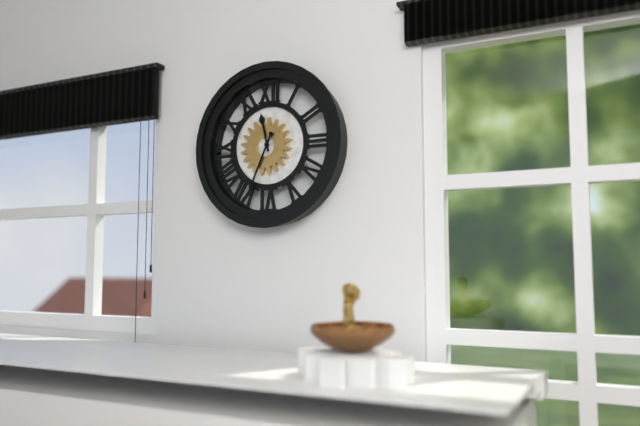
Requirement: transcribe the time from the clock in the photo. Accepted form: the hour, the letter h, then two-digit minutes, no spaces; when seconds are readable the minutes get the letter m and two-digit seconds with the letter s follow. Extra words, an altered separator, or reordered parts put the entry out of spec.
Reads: 11h34
